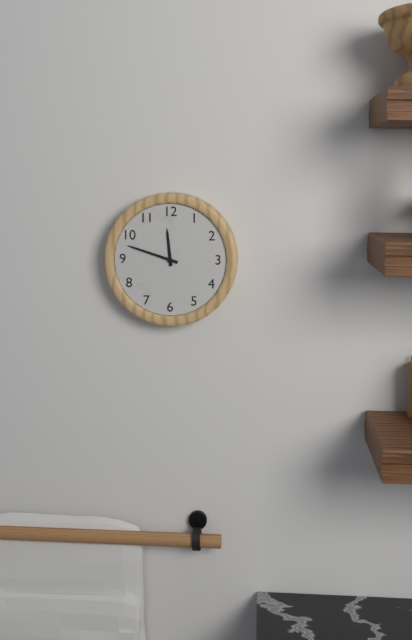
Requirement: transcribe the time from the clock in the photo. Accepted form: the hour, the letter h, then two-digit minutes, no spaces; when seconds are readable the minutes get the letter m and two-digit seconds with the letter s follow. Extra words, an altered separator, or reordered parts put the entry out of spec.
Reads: 11h48
